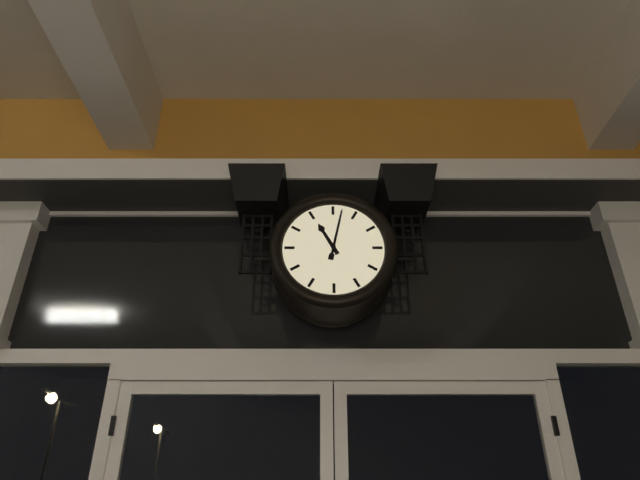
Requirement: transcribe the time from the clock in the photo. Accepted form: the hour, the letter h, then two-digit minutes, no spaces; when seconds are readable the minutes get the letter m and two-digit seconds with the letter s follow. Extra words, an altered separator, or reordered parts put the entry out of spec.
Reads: 11h02
